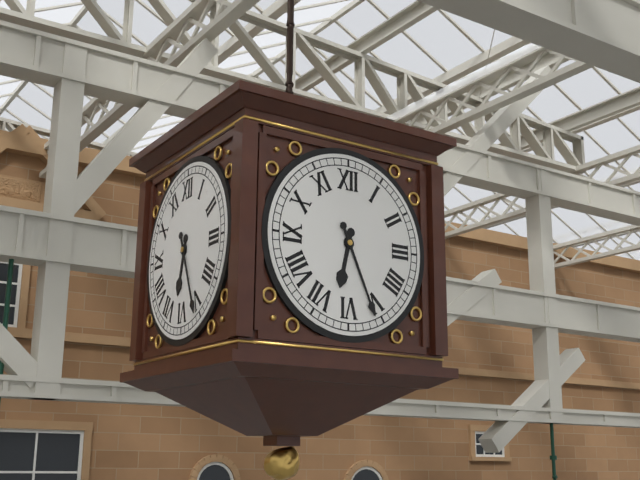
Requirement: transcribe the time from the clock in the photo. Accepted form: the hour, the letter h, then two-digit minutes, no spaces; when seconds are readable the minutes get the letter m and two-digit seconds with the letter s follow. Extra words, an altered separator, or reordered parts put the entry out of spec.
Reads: 6h26
